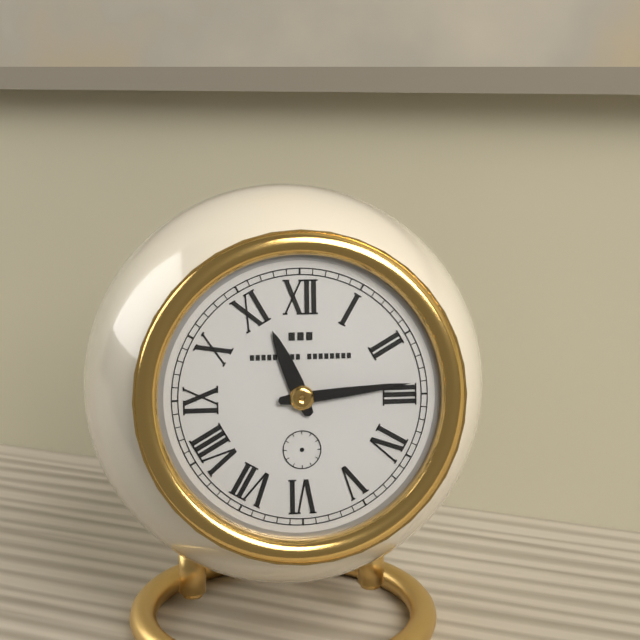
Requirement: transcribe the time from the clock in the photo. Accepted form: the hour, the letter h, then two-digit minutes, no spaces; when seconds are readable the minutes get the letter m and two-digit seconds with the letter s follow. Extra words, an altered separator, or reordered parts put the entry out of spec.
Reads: 11h14
